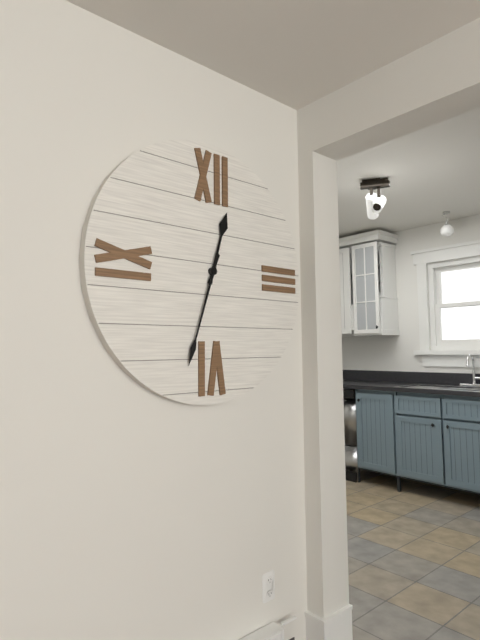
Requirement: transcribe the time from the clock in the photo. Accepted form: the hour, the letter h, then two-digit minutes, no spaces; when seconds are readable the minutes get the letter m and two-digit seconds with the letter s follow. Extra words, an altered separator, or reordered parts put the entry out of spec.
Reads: 12h33
